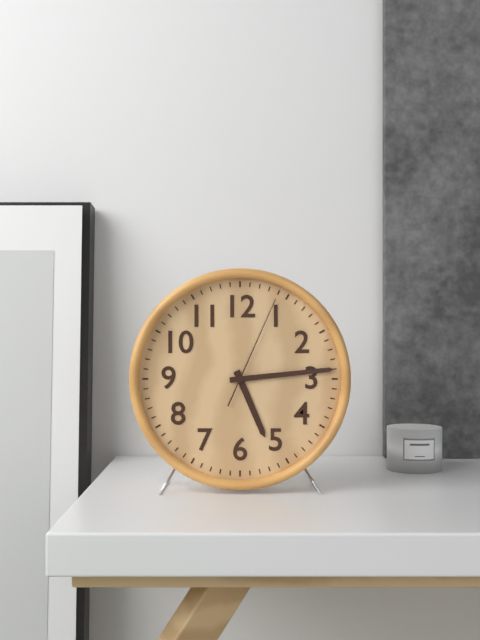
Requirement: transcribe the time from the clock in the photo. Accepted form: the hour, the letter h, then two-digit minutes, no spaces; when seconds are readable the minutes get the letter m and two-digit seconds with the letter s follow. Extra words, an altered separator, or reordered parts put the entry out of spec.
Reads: 5h14m04s
